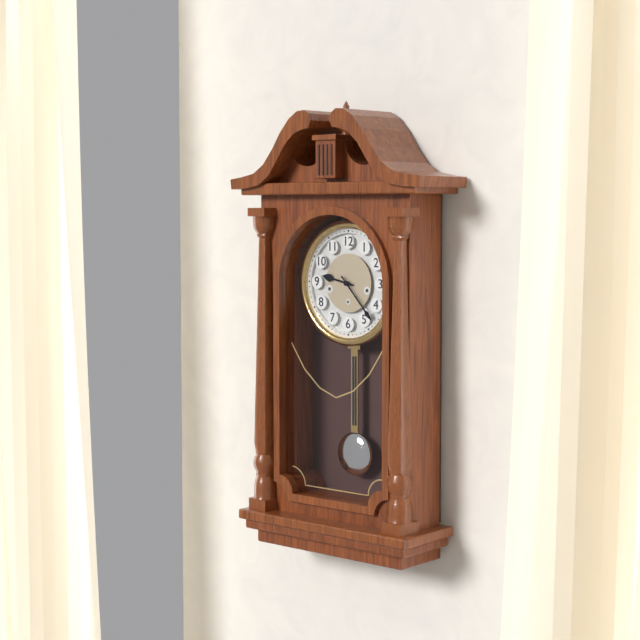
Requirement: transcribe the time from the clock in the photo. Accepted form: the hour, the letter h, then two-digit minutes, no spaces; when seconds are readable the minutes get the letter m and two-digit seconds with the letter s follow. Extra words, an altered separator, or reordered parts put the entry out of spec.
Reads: 9h23
